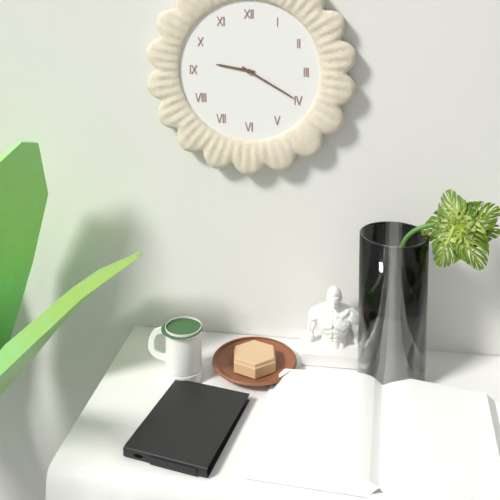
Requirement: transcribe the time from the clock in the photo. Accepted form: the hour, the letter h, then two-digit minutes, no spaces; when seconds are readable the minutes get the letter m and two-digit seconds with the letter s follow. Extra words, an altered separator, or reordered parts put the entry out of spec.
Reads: 9h20
